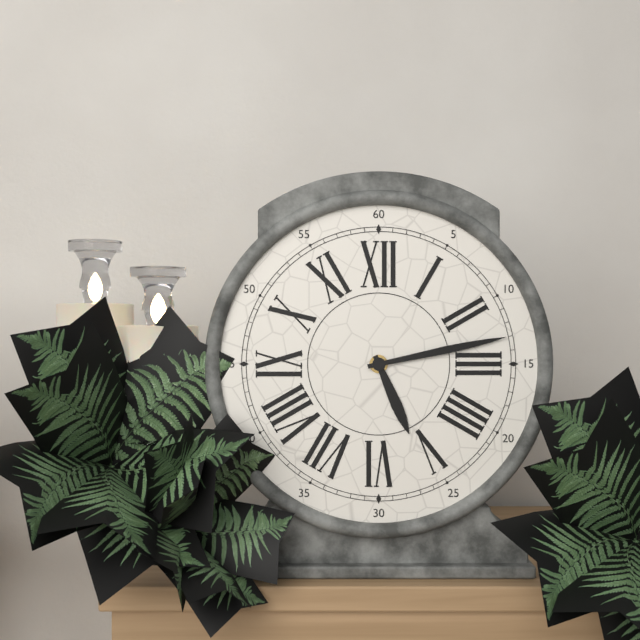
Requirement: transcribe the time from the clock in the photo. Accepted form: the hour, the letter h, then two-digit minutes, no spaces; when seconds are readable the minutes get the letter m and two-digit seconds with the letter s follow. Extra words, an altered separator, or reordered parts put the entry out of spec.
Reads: 5h13
